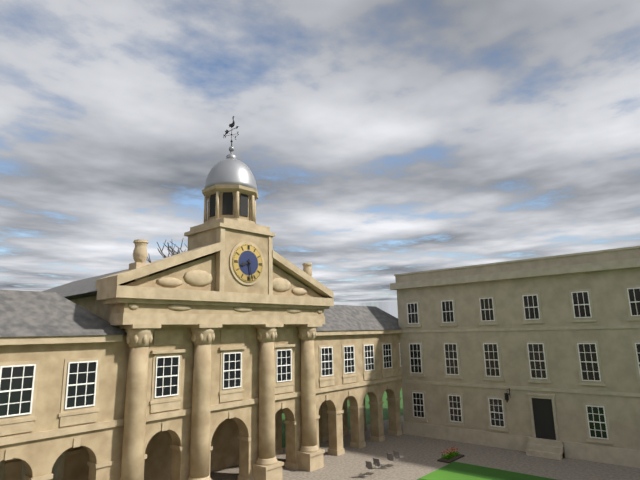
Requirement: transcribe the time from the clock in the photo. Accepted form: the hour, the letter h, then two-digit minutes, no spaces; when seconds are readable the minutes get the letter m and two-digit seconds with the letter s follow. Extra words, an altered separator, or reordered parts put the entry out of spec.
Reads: 8h28
